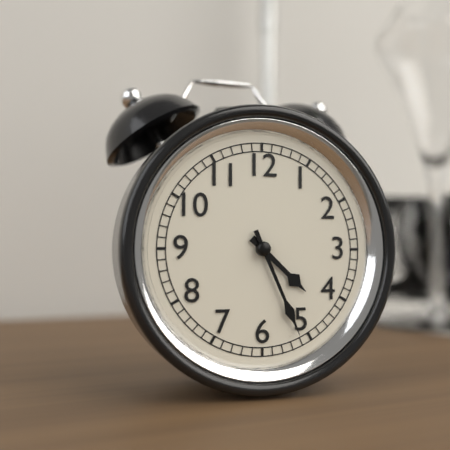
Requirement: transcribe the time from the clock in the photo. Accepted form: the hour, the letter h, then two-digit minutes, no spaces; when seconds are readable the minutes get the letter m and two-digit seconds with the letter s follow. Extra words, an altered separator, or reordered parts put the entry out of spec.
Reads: 4h26
